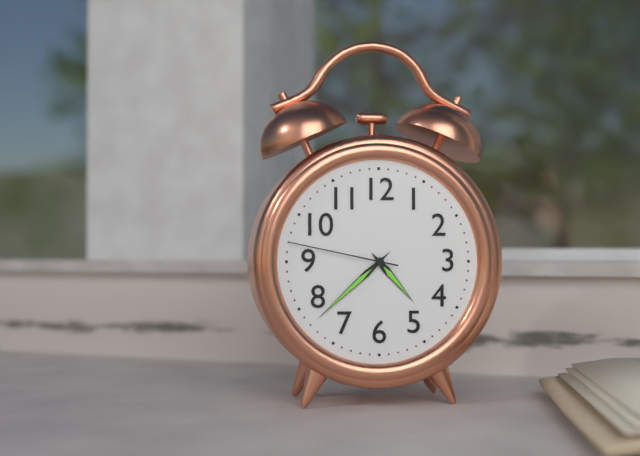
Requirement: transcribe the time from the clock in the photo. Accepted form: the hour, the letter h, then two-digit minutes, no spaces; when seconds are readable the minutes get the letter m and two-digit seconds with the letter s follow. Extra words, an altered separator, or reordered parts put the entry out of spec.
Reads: 4h38m47s
